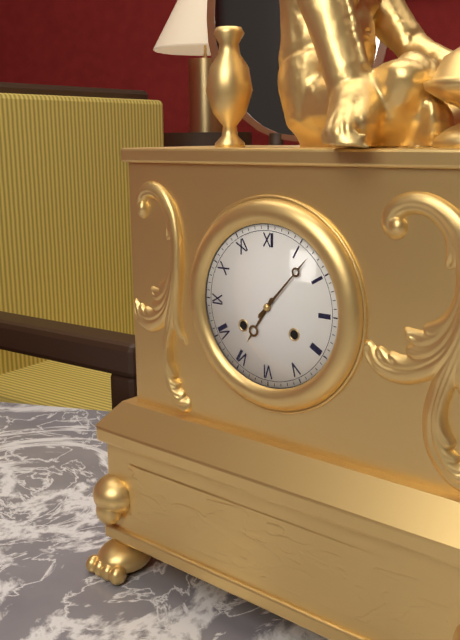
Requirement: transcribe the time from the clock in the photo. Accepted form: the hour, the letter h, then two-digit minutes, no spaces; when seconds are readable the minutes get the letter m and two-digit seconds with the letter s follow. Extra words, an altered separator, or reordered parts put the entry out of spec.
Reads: 7h07
